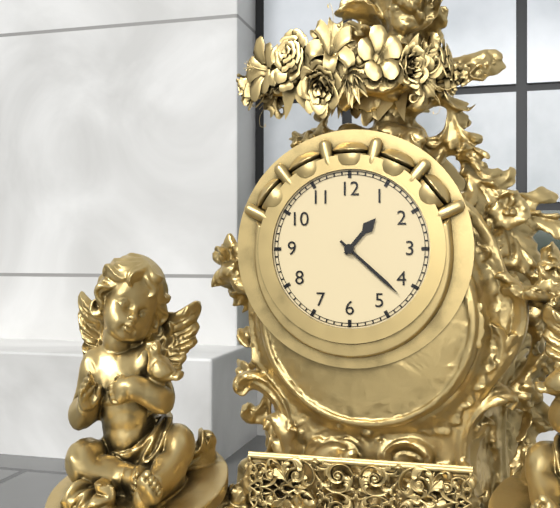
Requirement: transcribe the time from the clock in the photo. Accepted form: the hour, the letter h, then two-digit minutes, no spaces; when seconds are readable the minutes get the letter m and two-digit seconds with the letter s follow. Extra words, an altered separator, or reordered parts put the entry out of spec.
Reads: 1h22
